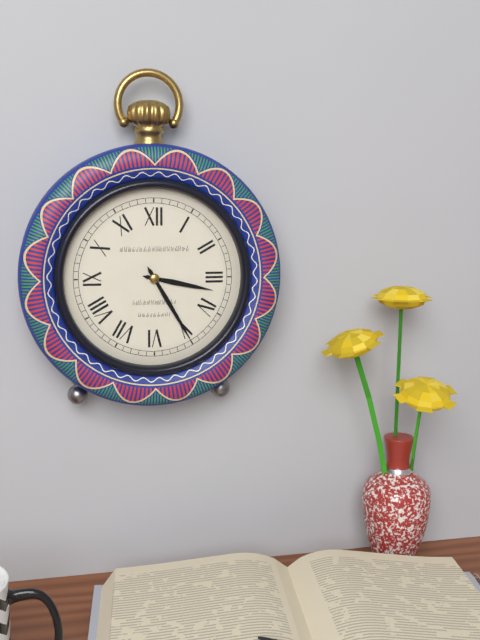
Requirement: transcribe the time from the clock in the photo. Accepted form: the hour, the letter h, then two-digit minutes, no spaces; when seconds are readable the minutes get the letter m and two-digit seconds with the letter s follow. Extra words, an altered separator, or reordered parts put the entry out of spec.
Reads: 3h25
